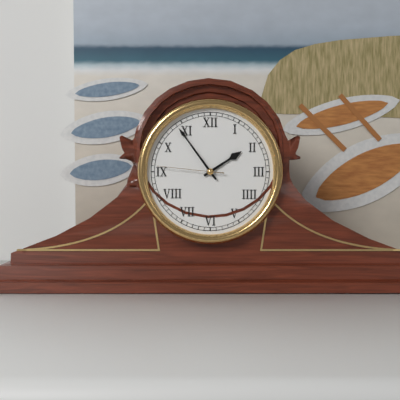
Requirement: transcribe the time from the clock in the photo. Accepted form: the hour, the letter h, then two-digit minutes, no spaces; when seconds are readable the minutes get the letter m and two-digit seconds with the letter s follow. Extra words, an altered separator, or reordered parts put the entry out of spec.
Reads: 1h54m46s
